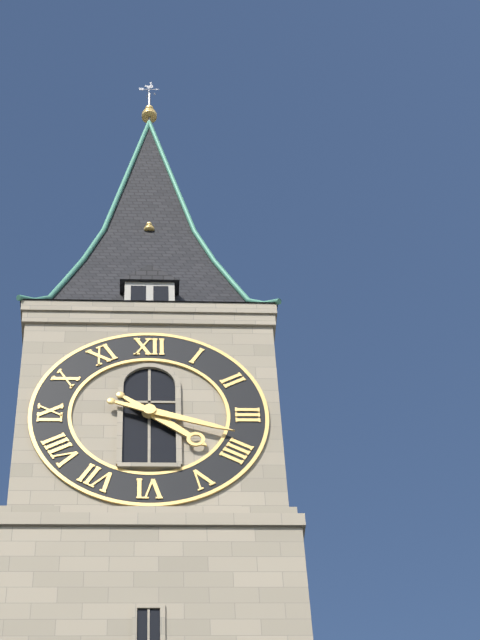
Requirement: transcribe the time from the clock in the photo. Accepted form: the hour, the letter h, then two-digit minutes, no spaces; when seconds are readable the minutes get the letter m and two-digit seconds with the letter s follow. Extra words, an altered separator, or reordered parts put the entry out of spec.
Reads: 4h18
